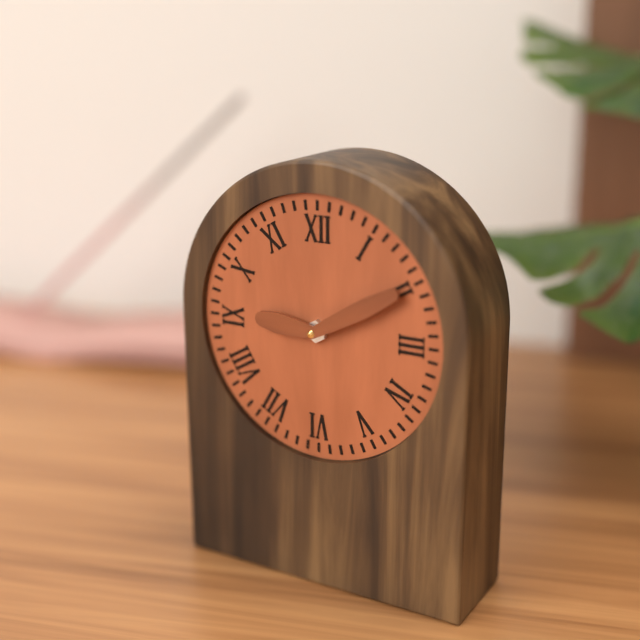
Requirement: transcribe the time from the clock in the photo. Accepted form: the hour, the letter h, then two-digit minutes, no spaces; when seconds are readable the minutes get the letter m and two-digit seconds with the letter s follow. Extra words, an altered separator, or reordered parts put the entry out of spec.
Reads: 9h10
